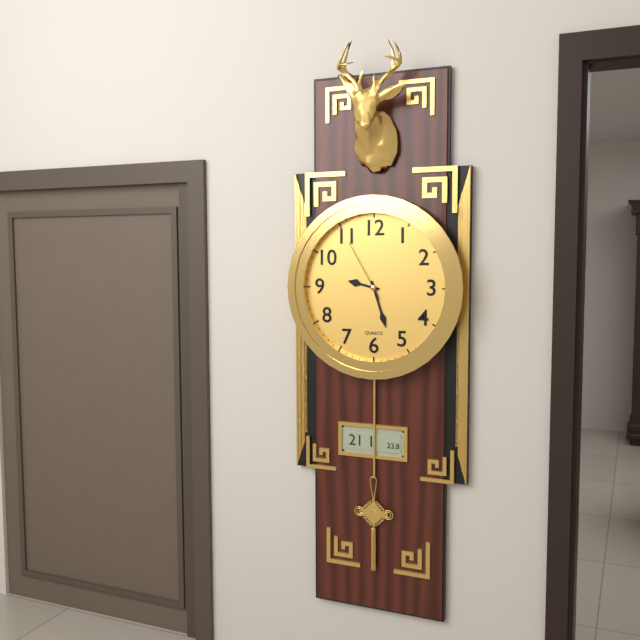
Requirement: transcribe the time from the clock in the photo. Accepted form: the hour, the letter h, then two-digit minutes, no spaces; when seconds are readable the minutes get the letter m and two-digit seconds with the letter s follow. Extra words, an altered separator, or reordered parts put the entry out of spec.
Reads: 9h27m55s
